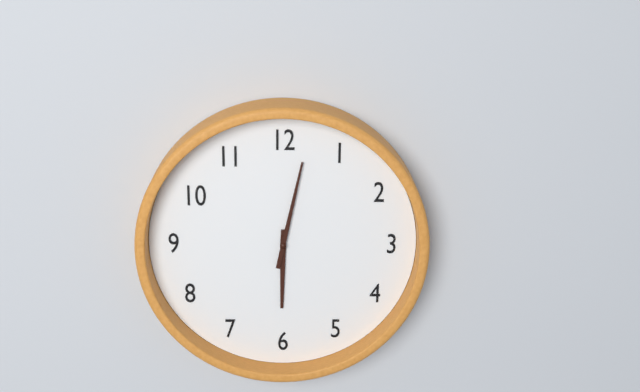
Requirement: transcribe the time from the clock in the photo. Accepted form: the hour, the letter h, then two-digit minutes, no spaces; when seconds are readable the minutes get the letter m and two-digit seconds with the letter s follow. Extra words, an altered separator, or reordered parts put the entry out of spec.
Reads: 6h02
